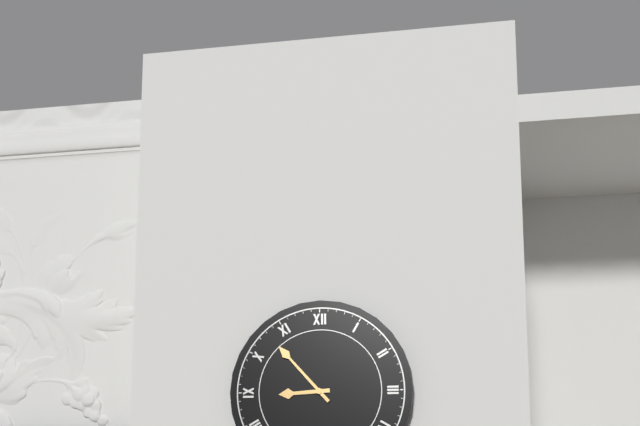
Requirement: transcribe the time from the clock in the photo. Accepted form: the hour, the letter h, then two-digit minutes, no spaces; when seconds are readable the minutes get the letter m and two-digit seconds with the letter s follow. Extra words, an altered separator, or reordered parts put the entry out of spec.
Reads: 8h53
